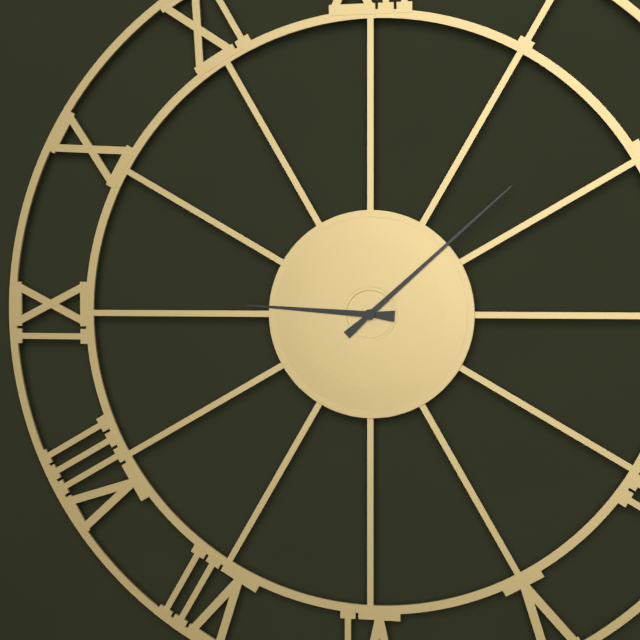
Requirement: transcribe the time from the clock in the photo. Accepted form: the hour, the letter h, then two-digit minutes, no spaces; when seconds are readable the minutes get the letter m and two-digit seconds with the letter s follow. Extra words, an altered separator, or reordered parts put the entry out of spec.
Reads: 9h08
